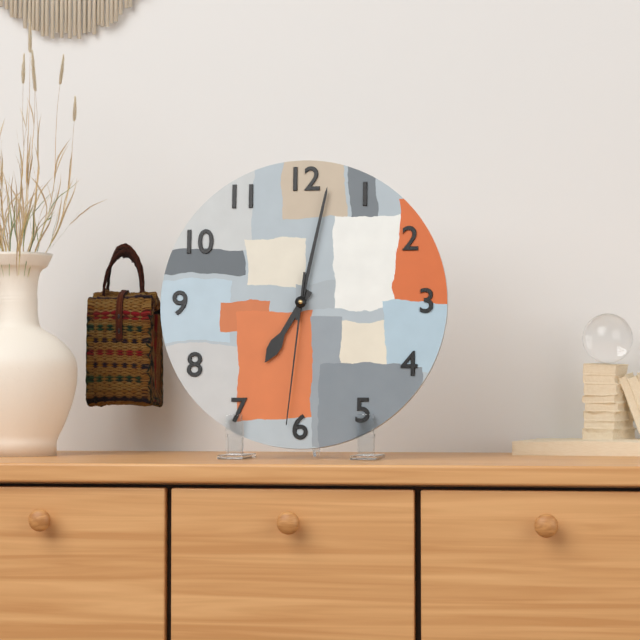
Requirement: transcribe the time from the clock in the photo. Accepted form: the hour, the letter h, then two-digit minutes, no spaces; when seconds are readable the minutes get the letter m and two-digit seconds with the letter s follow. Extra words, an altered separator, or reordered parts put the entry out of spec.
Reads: 7h02m31s
